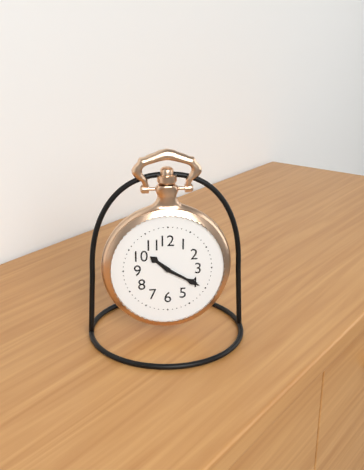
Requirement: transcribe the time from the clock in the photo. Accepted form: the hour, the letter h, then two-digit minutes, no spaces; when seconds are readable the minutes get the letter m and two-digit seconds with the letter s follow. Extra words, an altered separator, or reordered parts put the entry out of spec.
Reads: 10h20
